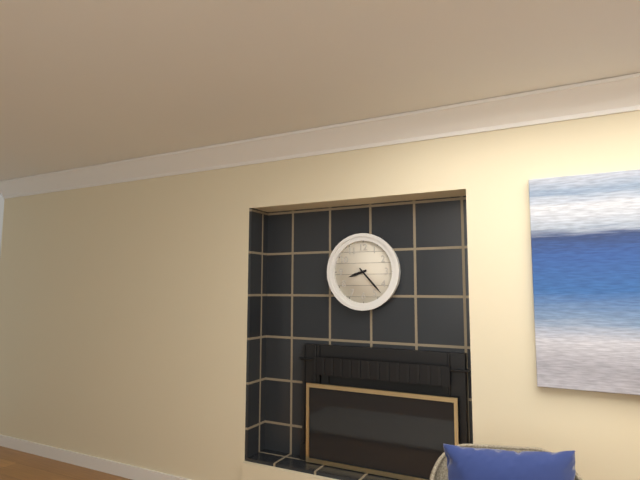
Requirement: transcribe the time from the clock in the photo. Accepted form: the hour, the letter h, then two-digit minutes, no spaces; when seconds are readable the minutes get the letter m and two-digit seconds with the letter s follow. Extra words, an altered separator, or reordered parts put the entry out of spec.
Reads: 8h23
